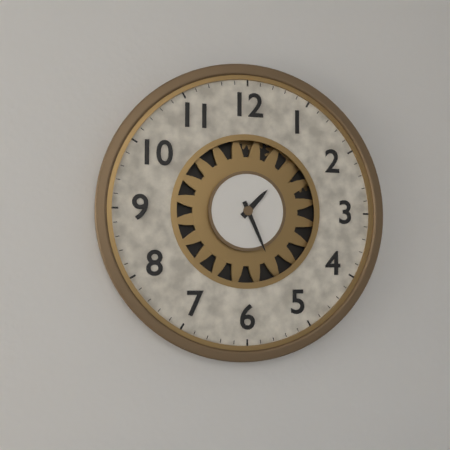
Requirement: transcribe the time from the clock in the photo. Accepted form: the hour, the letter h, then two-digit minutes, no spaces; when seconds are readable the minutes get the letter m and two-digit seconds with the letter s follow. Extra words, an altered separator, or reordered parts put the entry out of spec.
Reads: 1h26
